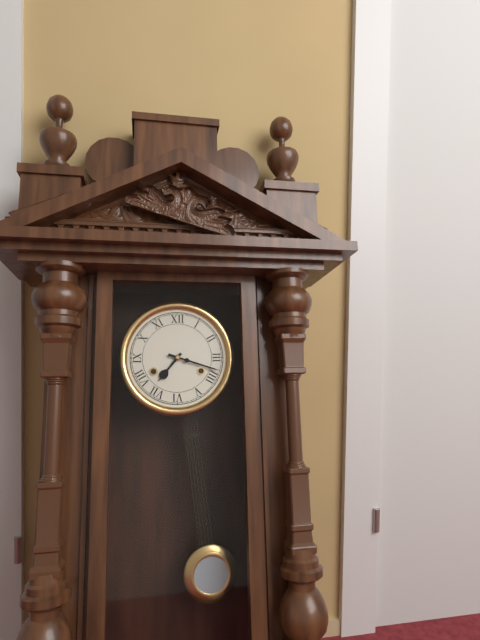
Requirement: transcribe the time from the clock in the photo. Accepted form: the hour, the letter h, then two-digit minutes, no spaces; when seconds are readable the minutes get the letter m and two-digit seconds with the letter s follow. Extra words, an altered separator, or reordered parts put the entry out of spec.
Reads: 7h18
